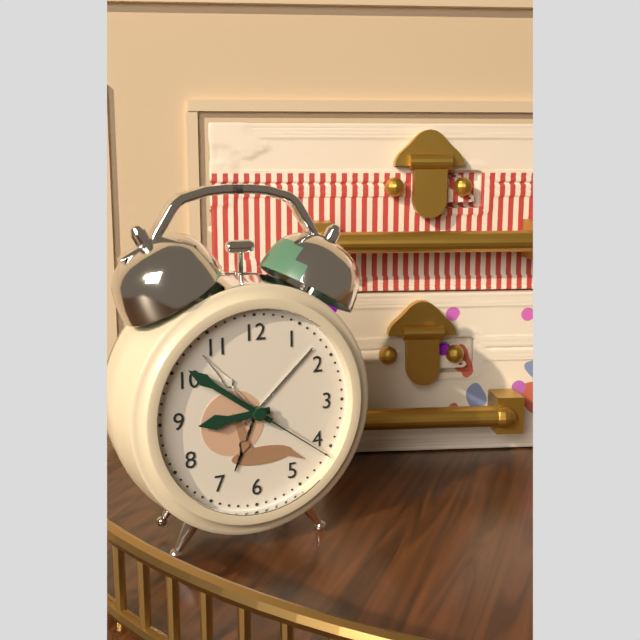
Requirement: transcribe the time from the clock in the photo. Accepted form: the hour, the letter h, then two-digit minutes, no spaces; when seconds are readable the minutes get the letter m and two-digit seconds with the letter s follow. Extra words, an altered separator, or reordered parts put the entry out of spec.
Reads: 8h51m21s
